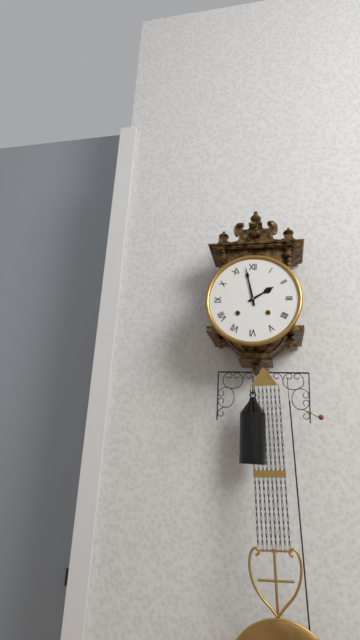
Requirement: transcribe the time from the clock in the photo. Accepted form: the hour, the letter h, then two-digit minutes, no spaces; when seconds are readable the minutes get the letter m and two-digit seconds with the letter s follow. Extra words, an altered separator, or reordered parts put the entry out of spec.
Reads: 1h58
